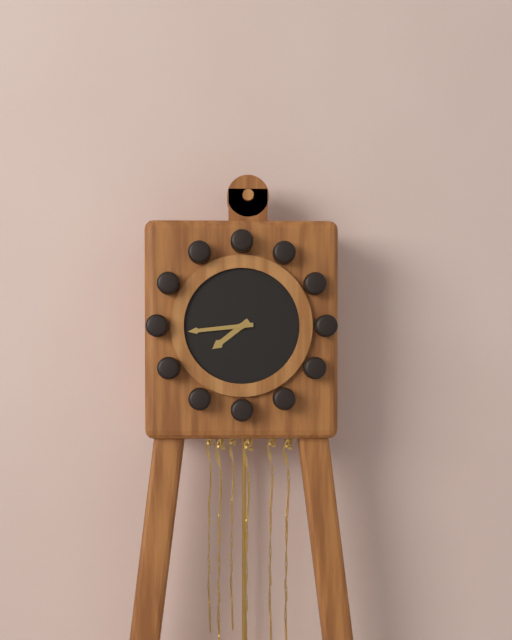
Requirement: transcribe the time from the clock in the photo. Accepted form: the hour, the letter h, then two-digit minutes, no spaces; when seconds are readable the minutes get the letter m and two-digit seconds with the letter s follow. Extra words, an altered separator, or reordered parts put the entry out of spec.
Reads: 7h44
